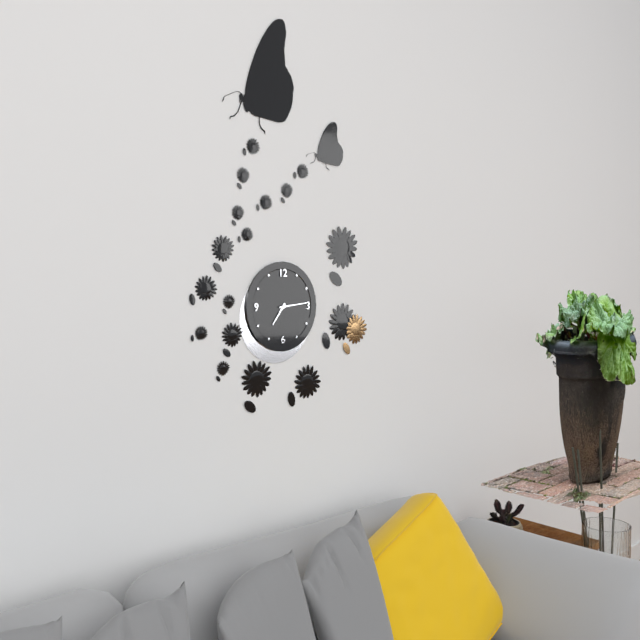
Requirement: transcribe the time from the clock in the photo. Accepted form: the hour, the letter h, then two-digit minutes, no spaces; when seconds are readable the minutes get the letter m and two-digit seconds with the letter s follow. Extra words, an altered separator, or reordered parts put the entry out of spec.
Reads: 7h14
